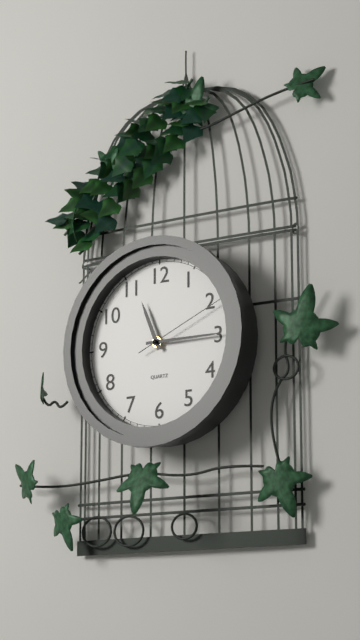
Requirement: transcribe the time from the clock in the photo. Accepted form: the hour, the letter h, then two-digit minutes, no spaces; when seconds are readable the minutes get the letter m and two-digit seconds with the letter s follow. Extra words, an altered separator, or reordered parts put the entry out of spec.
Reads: 11h15m11s
